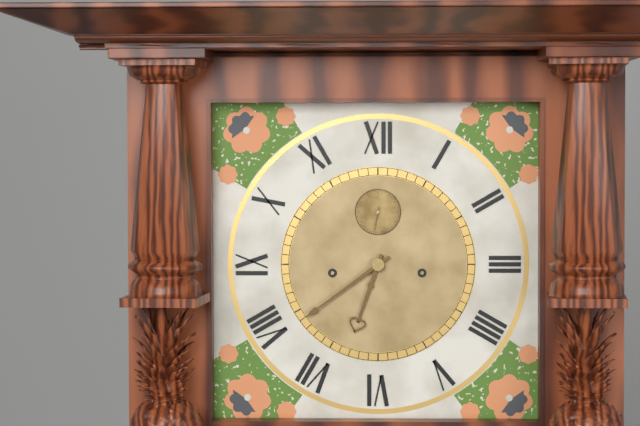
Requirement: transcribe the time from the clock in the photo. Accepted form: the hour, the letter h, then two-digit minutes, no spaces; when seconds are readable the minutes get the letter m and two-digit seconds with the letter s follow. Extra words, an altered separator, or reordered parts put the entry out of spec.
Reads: 6h39
